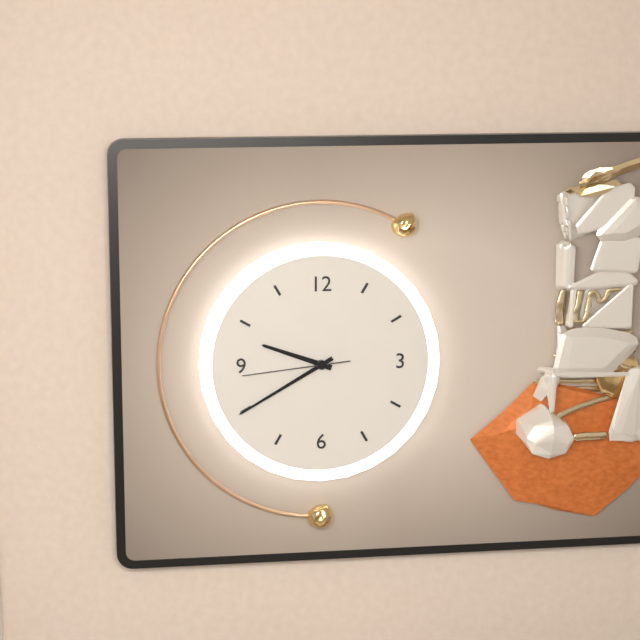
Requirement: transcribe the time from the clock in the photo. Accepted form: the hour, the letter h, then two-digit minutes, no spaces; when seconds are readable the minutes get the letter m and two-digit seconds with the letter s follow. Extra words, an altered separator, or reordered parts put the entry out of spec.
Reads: 9h40m44s
